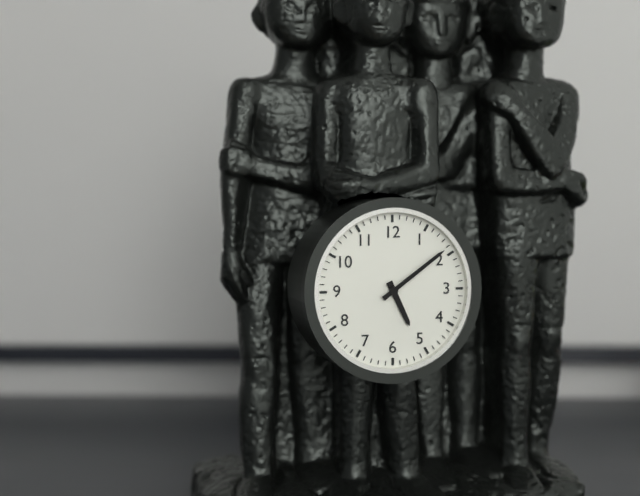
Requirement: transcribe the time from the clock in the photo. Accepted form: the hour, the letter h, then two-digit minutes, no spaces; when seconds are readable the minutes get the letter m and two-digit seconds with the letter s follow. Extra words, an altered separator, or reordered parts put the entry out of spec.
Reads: 5h09
